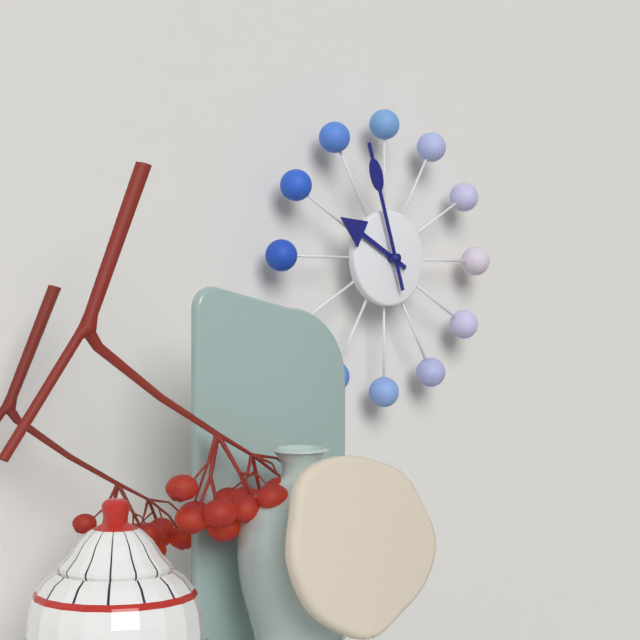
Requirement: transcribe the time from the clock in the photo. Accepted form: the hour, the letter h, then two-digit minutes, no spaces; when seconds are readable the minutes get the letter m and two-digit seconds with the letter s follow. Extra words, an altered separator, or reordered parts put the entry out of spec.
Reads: 9h57
